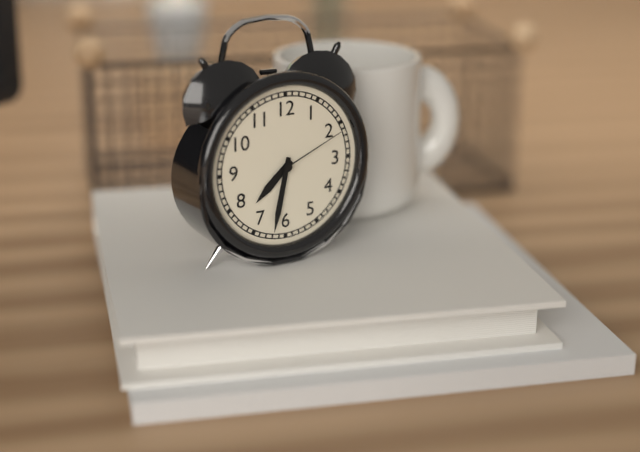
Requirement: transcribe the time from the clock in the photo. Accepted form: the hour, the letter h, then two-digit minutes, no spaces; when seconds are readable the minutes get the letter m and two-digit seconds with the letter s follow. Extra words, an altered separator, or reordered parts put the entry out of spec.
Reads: 7h32m11s
